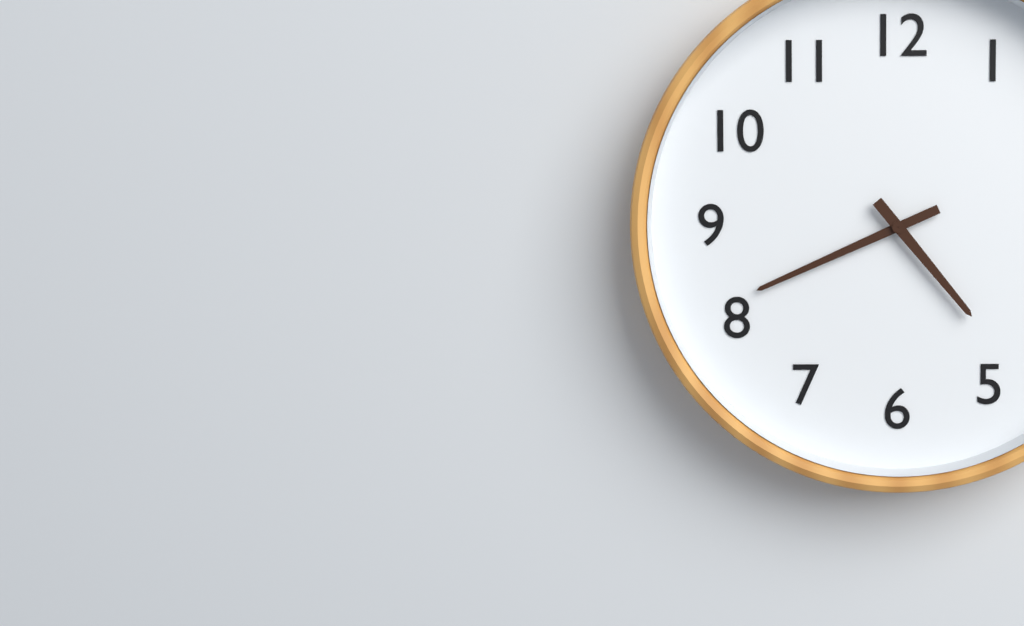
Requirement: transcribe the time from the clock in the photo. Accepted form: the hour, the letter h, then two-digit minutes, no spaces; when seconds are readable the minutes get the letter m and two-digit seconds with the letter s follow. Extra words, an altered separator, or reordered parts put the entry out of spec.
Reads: 4h41
